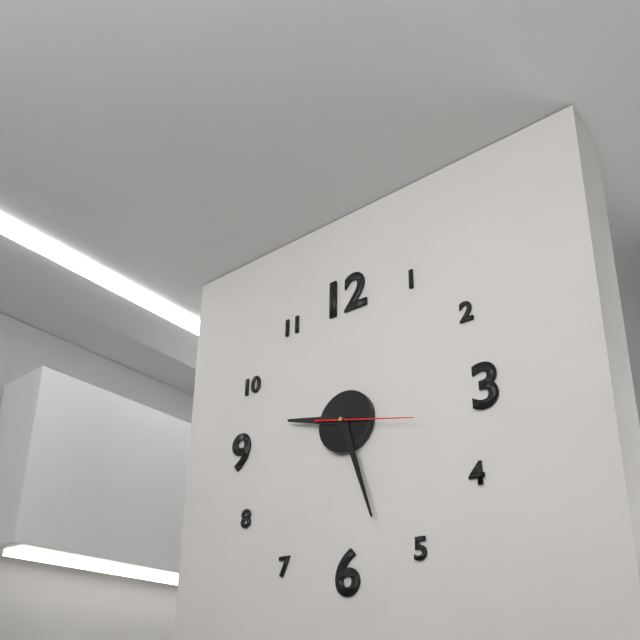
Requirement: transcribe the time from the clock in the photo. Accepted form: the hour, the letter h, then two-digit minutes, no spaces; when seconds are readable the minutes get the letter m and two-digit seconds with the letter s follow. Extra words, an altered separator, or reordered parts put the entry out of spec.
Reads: 9h27m17s
